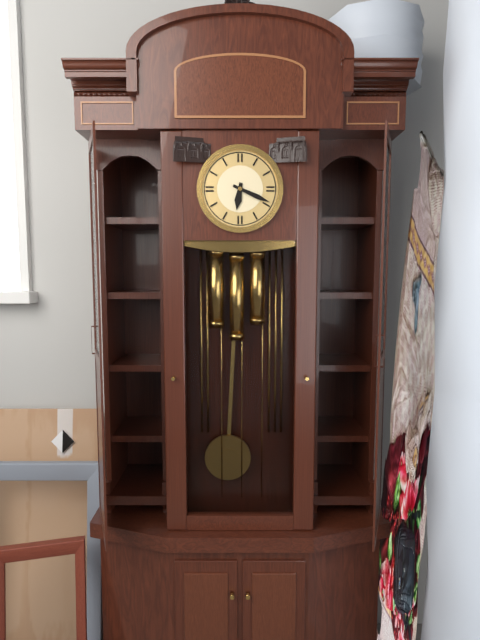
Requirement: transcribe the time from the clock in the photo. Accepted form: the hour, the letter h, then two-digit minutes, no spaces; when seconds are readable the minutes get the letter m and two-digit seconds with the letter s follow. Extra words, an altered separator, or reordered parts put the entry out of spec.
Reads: 6h19
